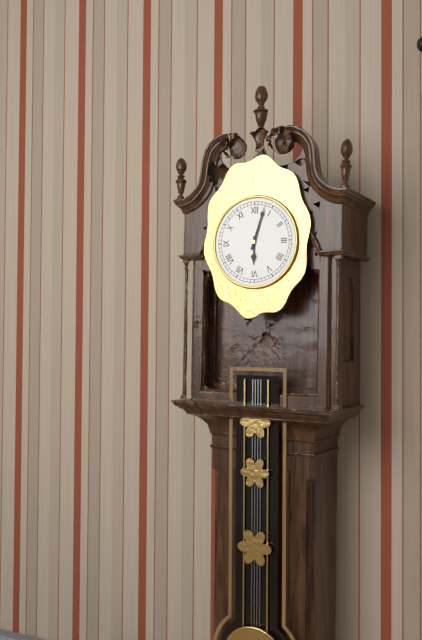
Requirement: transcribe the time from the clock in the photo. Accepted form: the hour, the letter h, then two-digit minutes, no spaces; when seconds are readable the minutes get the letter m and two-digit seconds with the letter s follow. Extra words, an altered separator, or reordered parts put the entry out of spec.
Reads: 6h03
